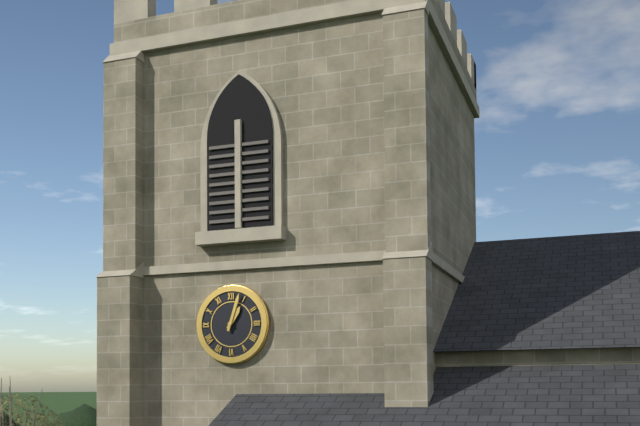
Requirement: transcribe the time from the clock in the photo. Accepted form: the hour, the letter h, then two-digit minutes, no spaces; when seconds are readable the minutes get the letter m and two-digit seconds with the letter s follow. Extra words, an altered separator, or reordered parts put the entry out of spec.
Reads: 1h03
